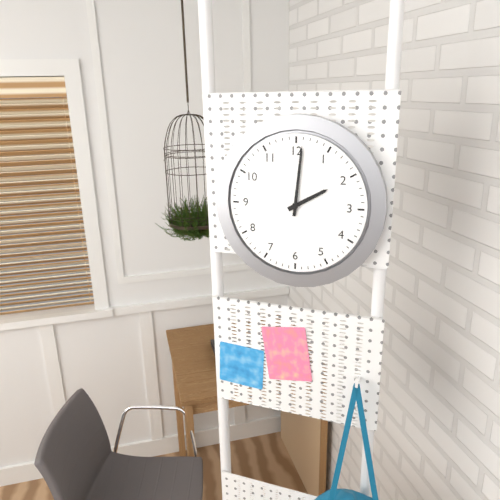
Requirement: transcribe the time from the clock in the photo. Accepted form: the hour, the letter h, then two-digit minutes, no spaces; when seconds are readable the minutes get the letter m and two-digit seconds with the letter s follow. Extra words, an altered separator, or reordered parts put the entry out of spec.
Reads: 2h01
